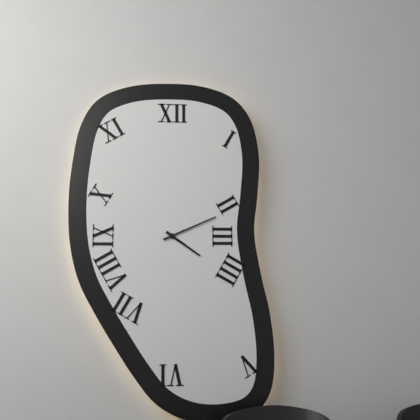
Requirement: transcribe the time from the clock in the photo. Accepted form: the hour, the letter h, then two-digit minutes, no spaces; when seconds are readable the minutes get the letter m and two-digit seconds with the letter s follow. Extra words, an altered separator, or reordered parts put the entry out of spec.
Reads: 4h11
